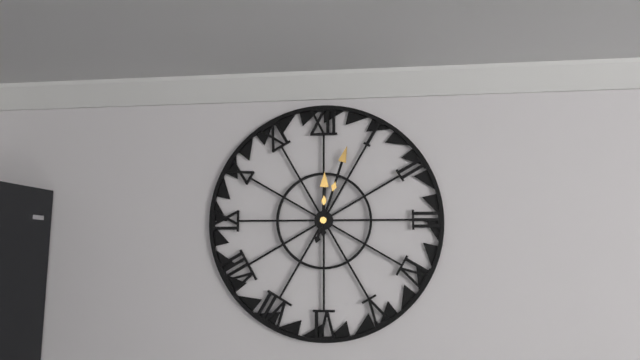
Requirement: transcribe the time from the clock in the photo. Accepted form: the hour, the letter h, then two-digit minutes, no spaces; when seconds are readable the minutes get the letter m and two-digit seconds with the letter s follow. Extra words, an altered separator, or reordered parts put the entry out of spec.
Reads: 12h03
